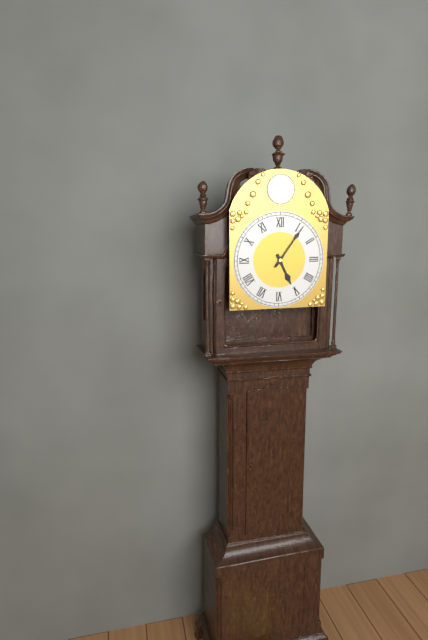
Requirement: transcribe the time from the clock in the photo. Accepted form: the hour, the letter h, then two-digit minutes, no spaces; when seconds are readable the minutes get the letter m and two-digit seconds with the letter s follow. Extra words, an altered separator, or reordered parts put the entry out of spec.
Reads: 5h06
